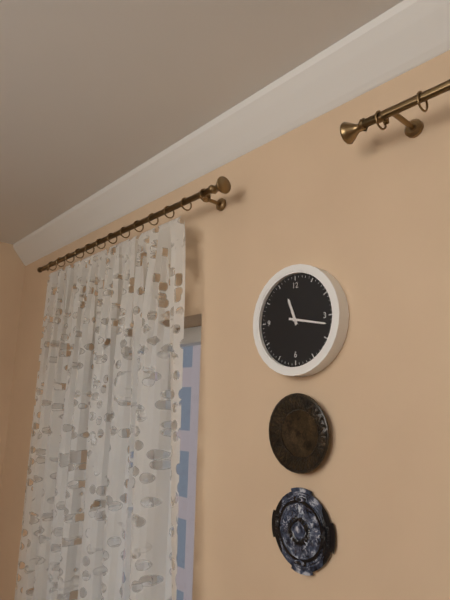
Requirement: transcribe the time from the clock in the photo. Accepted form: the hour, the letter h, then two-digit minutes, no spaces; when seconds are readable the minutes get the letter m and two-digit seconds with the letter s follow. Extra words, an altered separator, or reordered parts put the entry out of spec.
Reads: 11h17
